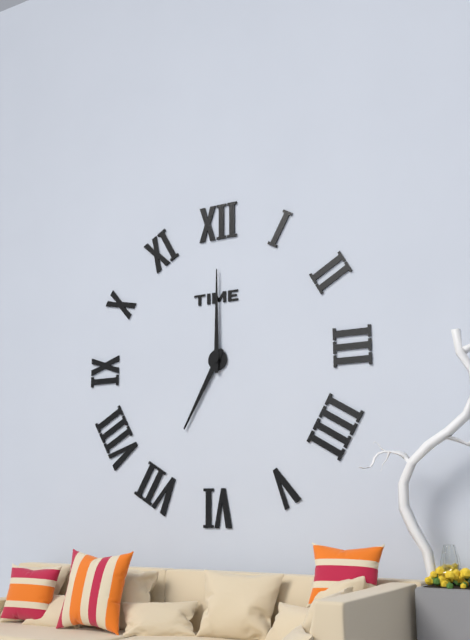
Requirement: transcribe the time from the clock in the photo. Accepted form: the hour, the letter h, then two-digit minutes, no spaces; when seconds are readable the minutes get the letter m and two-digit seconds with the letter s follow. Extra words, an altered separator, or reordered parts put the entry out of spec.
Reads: 7h00
